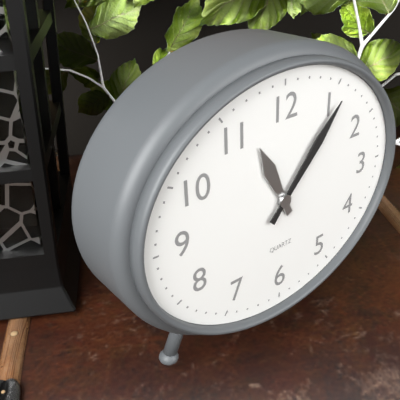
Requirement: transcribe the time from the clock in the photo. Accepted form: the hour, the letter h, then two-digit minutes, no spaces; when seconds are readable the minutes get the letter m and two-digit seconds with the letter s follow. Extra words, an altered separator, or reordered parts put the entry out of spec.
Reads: 11h07
